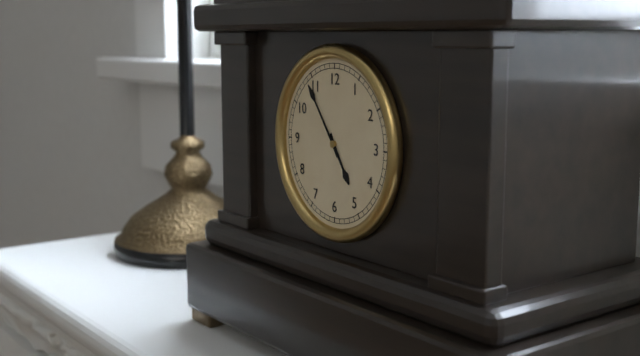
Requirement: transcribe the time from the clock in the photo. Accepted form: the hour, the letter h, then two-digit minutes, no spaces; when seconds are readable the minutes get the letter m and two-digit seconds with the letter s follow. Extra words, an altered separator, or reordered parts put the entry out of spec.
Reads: 4h54
